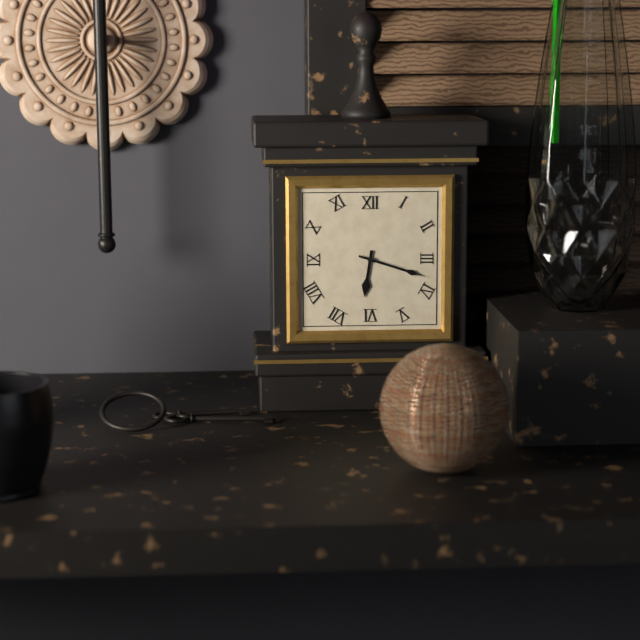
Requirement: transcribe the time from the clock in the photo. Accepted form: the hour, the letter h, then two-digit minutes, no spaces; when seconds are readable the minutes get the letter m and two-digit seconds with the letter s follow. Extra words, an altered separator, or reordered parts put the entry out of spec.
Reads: 6h18
